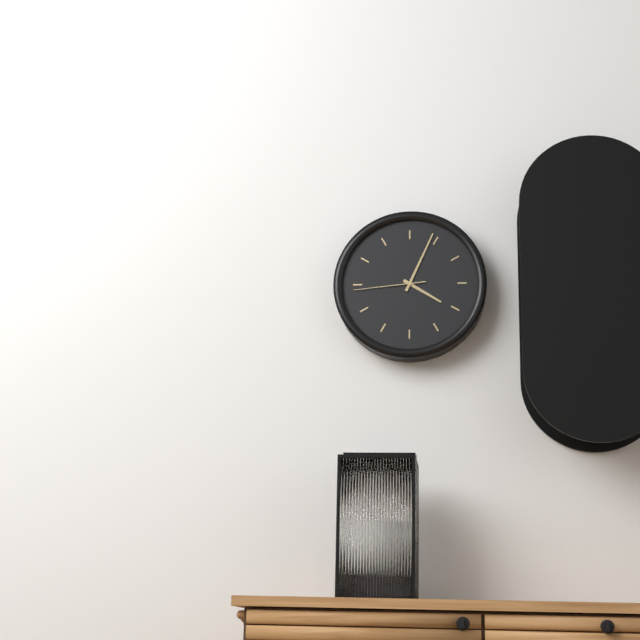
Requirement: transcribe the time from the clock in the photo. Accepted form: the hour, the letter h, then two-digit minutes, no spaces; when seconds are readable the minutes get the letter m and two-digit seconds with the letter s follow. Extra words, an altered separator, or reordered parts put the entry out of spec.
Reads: 4h04m44s
